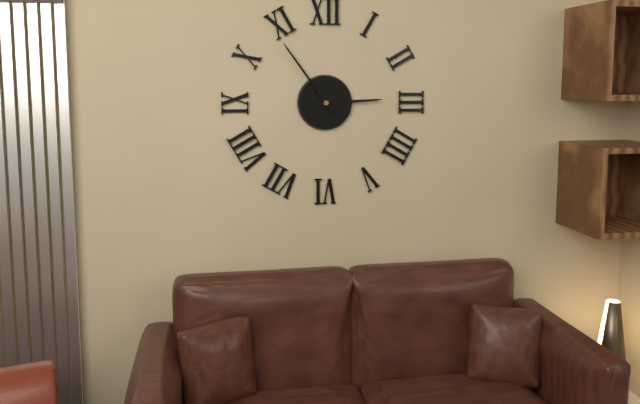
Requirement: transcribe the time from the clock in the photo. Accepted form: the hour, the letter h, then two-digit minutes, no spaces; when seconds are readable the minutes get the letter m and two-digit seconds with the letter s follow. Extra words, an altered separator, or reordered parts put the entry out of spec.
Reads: 2h54
